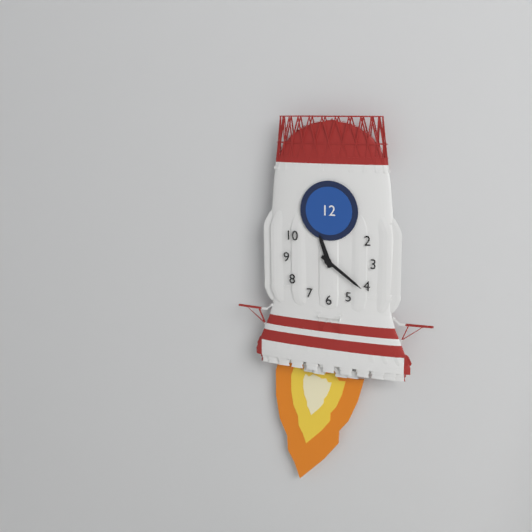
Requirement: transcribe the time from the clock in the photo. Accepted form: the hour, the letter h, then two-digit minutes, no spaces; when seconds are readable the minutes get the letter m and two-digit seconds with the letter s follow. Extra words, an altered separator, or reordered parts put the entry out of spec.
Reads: 11h21
